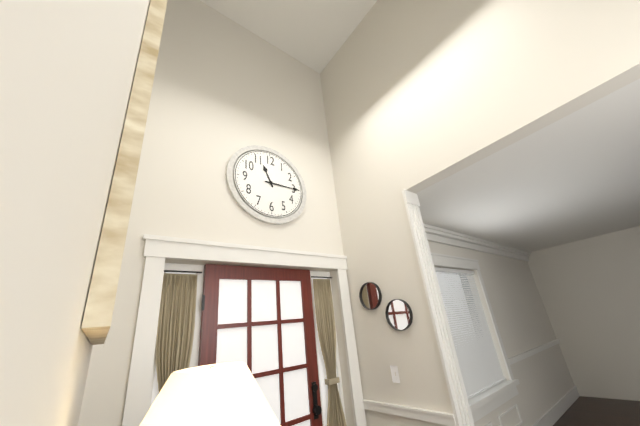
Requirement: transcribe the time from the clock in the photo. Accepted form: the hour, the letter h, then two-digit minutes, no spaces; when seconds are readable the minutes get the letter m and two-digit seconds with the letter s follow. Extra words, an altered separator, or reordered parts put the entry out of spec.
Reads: 11h15
